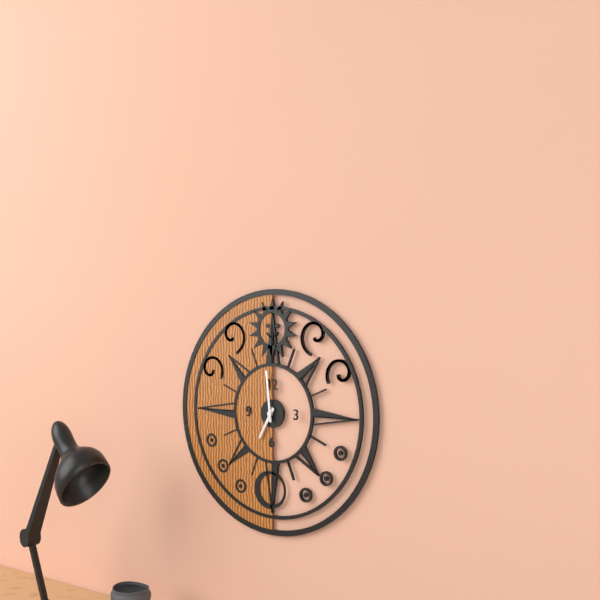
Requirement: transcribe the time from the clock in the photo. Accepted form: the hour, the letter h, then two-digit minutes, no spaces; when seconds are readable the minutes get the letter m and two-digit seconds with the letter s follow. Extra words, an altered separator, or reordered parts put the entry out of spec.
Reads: 6h59
